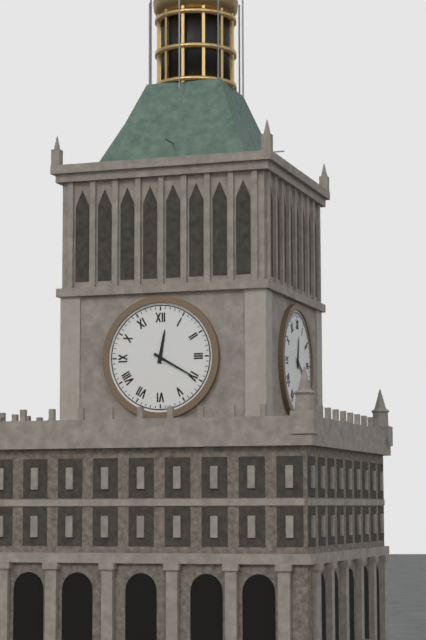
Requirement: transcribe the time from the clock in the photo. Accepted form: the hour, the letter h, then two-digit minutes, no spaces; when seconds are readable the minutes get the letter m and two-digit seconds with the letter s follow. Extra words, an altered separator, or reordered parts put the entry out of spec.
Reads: 12h20
